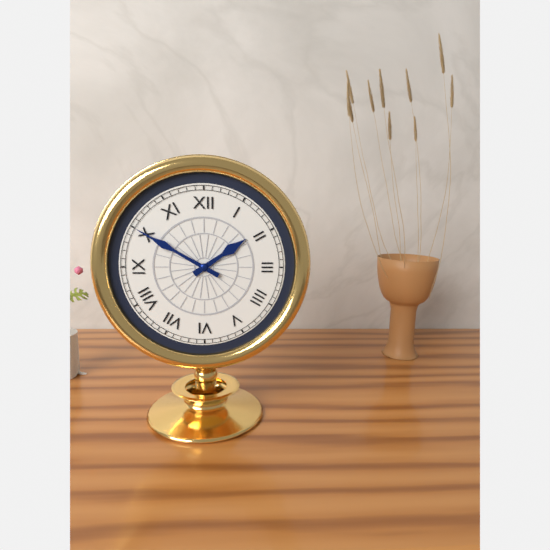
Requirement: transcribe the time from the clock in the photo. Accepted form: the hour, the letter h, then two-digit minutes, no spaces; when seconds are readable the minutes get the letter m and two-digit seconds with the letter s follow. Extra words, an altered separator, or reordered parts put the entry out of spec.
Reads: 1h50
